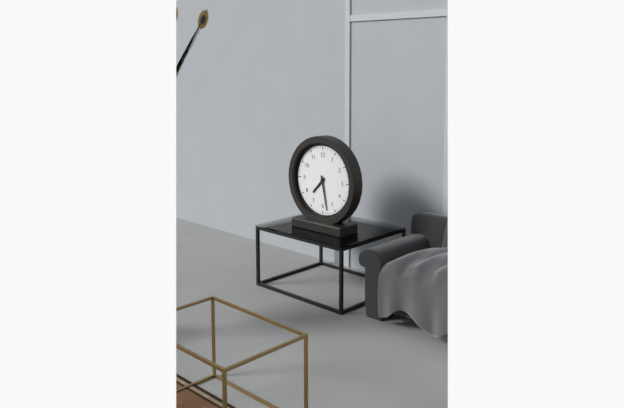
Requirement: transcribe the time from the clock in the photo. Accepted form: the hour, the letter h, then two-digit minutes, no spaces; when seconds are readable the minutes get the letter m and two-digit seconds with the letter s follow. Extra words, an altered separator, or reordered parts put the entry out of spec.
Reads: 7h28
